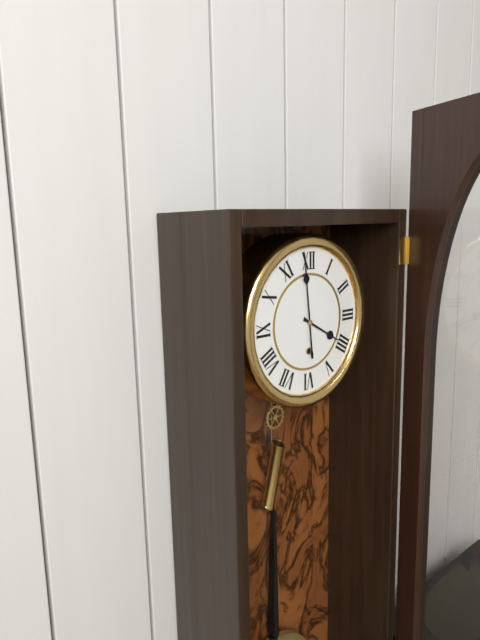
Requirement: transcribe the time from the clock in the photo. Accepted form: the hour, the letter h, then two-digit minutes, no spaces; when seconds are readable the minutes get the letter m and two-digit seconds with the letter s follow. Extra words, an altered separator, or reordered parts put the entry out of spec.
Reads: 3h59
